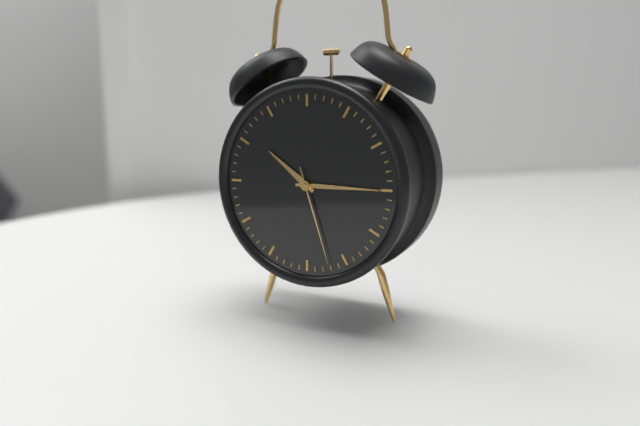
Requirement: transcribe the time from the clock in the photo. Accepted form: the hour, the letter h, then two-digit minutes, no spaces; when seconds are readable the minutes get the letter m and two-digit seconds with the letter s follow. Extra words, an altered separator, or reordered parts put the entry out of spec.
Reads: 10h15m27s
